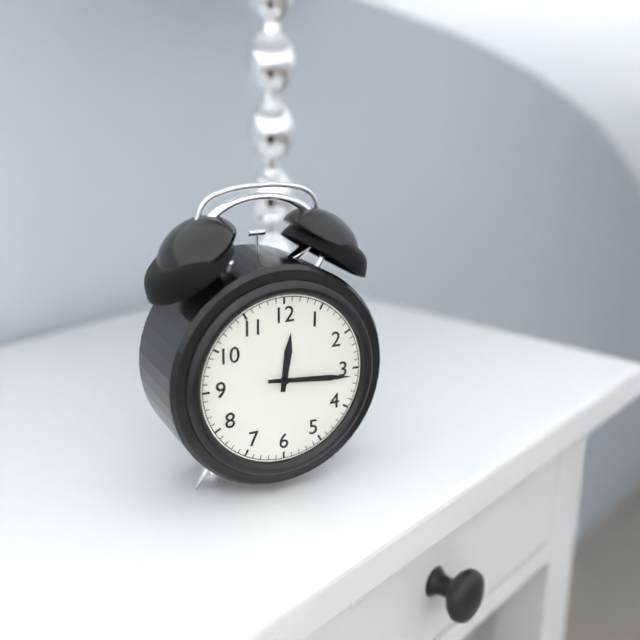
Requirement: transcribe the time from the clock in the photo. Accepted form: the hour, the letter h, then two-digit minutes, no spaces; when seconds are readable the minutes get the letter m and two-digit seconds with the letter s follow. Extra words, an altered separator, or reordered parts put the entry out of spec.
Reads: 12h16
